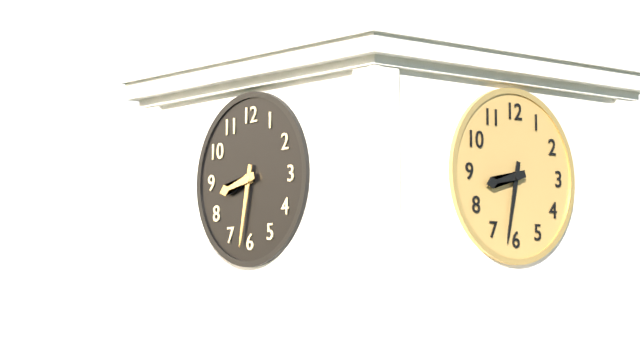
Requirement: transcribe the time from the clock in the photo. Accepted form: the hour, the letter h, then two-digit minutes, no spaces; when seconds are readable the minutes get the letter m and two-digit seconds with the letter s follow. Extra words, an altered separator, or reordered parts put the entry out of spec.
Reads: 8h32
